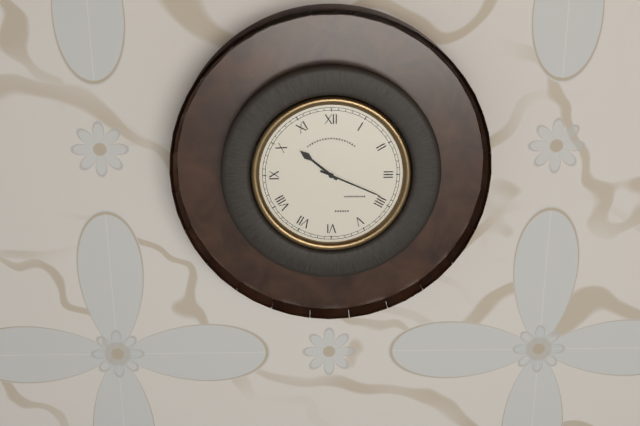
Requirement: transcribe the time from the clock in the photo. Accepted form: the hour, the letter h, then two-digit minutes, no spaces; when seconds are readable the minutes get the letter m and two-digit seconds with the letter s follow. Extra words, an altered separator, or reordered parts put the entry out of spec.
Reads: 10h19
